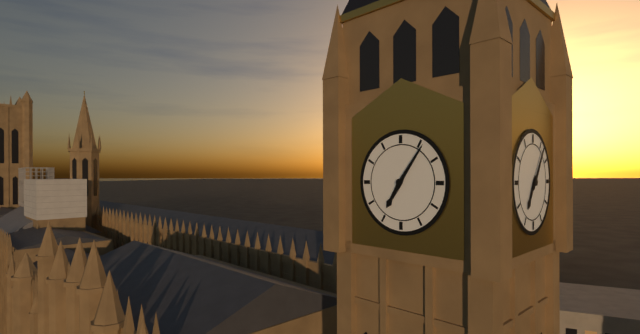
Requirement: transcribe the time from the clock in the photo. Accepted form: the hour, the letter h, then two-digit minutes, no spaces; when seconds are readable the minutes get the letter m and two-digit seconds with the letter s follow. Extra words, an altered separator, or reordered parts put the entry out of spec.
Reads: 7h06
